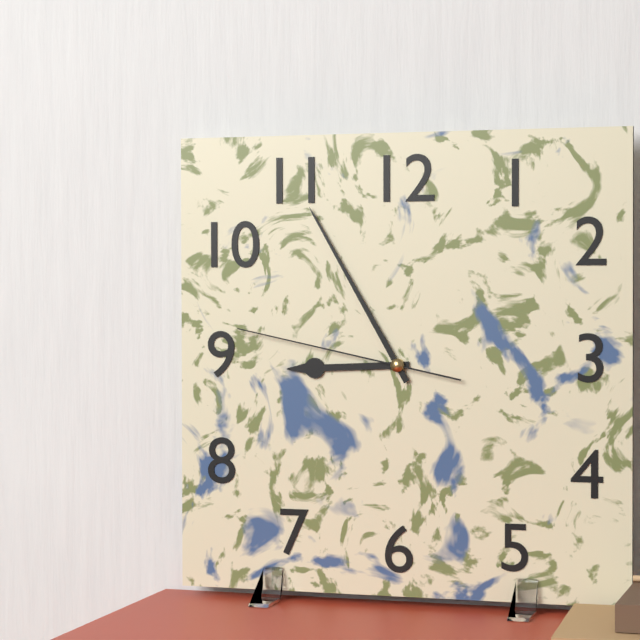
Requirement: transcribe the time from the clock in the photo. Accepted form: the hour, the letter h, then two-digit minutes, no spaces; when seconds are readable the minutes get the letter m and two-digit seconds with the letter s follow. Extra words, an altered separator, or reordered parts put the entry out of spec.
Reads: 8h55m47s
